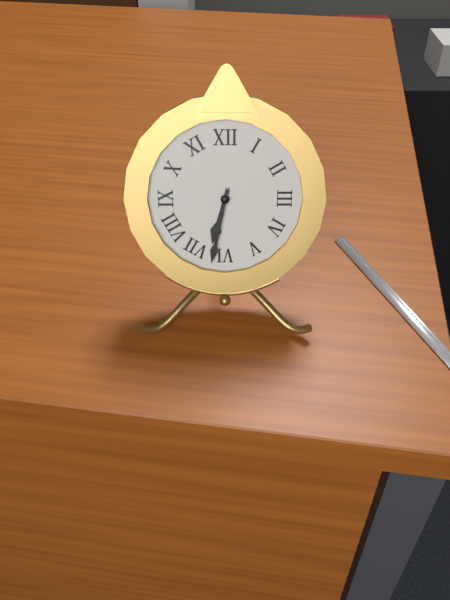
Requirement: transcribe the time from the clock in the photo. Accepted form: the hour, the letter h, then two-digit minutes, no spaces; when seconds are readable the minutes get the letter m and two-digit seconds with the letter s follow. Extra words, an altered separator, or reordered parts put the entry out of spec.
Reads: 6h32
